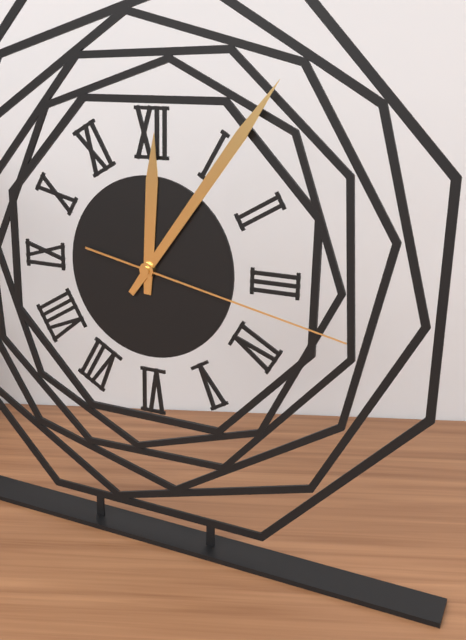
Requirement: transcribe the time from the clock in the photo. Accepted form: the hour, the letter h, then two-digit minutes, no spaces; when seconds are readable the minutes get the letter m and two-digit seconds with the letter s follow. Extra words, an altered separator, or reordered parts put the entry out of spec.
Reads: 12h06m17s
